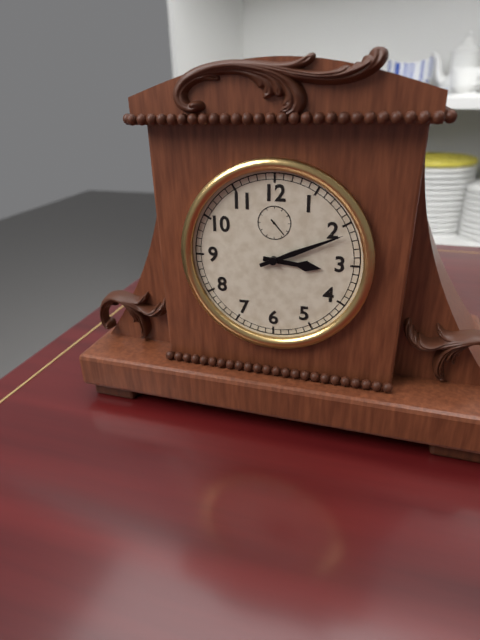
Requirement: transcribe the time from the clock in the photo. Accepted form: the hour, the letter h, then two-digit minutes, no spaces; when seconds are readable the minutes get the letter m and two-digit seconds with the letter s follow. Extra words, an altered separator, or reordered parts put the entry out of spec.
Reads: 3h11
